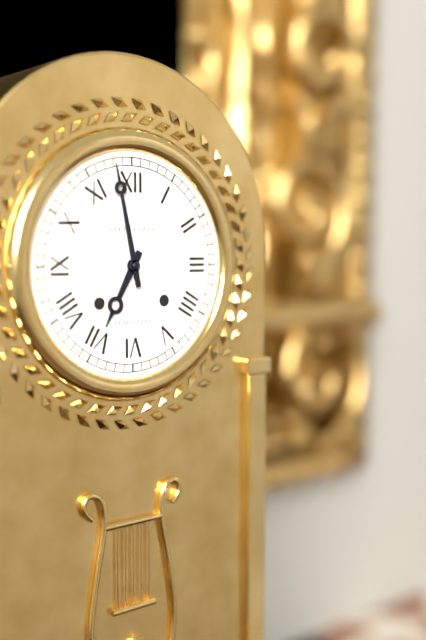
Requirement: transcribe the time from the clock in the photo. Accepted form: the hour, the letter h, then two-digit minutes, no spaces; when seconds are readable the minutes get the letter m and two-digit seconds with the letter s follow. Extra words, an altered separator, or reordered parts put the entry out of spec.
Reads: 6h58
